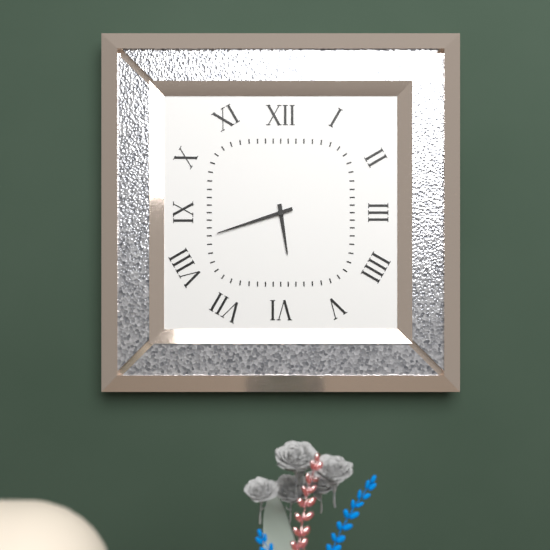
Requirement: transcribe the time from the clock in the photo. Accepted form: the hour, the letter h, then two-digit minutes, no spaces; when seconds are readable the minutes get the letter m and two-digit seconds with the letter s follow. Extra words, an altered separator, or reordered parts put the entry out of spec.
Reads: 5h42
